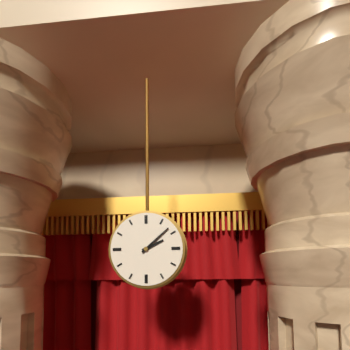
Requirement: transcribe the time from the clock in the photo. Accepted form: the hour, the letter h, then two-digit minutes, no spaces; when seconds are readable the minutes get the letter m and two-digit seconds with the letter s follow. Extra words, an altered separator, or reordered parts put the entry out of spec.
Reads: 2h08
